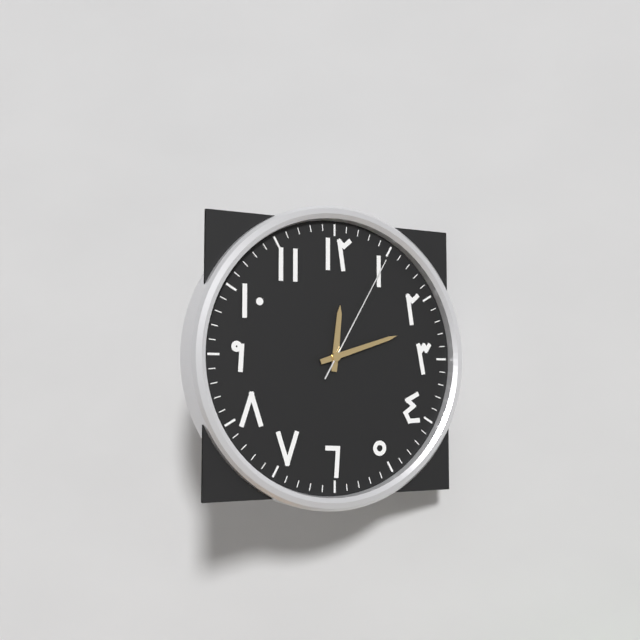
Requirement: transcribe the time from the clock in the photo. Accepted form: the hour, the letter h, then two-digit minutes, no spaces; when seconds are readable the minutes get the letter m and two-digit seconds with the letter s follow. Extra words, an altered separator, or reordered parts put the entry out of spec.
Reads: 12h12m05s
